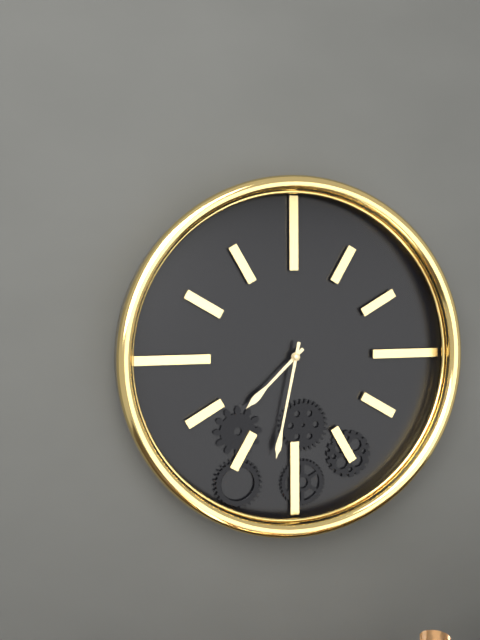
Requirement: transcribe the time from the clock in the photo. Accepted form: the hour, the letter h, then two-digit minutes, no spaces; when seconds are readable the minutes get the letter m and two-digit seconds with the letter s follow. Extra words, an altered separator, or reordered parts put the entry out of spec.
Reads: 7h32
